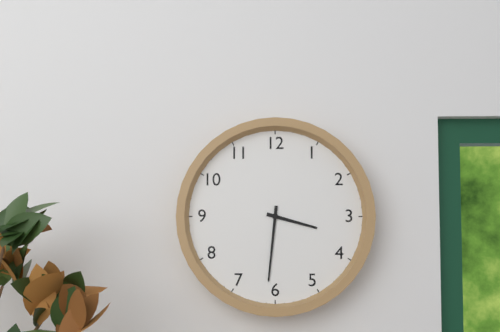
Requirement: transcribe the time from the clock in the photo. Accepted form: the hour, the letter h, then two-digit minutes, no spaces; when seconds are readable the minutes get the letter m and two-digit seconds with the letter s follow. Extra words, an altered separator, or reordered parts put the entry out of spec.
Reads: 3h31
